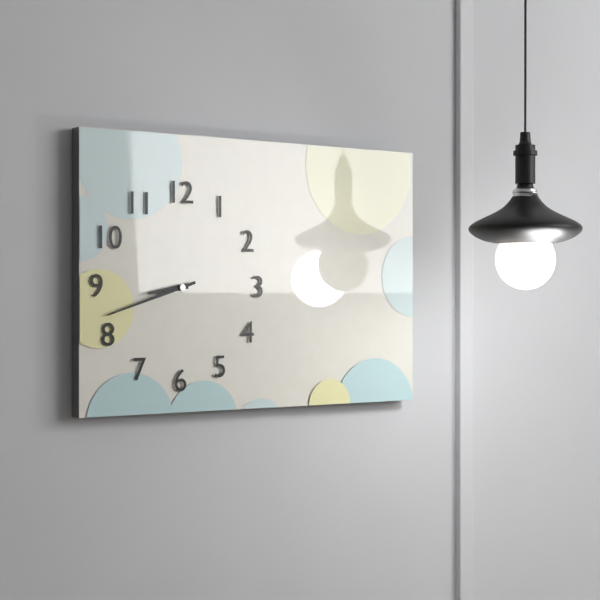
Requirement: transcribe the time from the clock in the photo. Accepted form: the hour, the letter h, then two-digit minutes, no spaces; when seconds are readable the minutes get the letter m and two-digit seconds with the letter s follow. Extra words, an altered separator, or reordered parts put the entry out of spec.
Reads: 8h42
